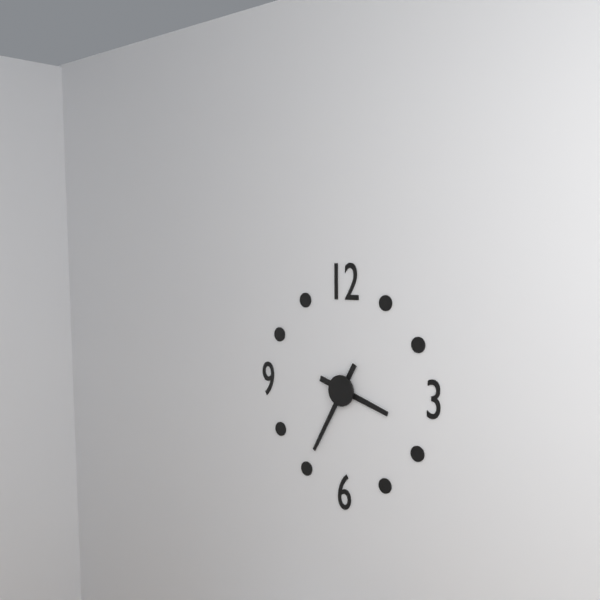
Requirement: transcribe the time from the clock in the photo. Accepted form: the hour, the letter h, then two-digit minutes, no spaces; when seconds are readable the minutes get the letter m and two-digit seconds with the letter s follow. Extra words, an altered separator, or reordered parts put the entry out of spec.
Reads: 3h35
